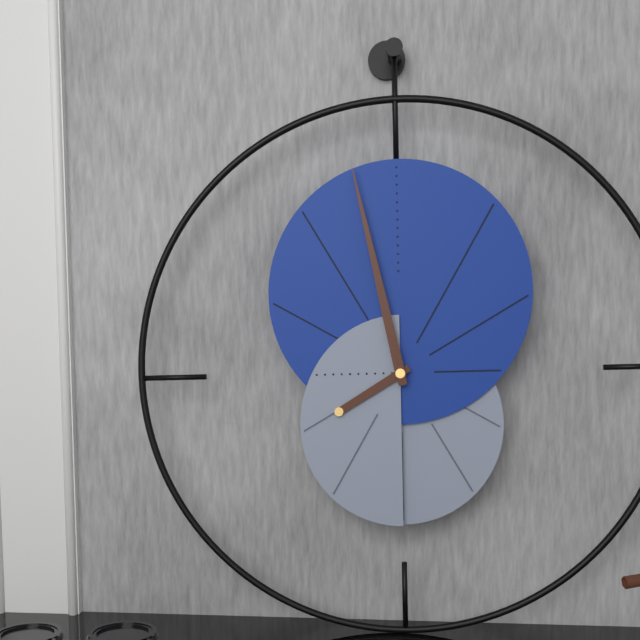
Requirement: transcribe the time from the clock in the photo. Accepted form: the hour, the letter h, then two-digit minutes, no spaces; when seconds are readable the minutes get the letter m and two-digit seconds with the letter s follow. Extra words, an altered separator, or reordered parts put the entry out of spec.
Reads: 7h58
